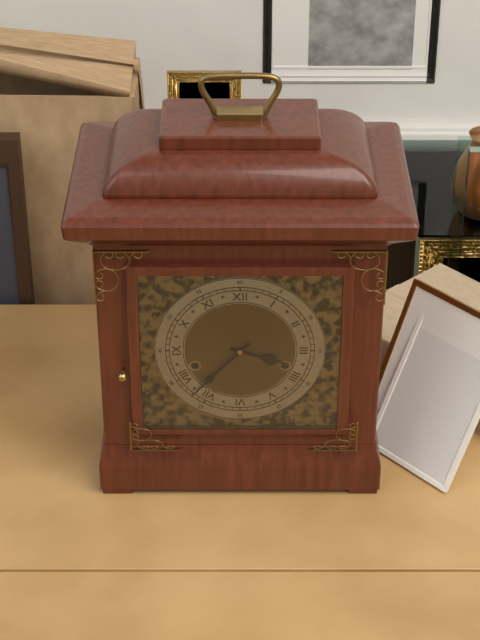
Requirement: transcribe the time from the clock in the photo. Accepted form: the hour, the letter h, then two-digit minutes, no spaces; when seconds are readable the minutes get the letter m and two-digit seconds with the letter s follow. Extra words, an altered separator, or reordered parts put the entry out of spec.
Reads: 3h37
